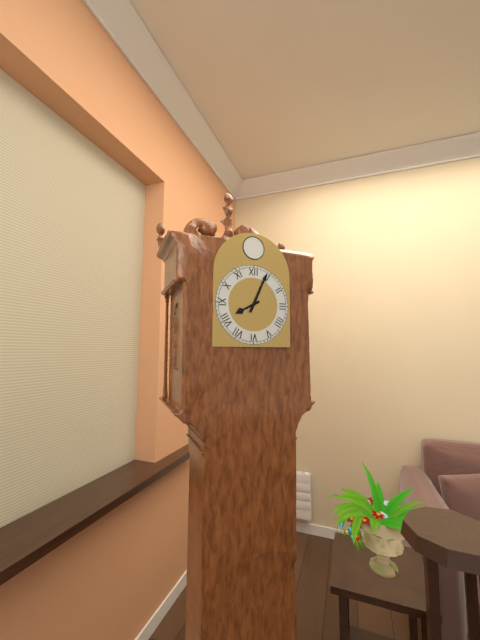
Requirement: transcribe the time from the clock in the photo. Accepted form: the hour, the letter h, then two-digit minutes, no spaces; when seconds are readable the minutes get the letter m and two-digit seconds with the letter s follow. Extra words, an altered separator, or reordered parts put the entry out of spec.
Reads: 8h04
